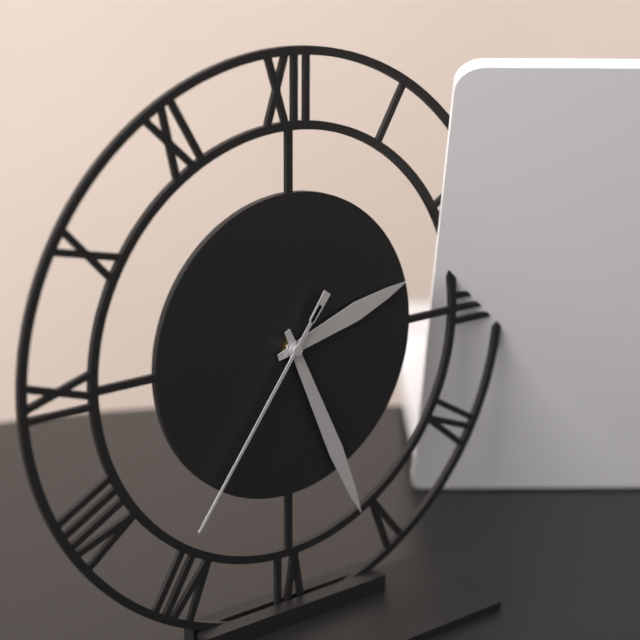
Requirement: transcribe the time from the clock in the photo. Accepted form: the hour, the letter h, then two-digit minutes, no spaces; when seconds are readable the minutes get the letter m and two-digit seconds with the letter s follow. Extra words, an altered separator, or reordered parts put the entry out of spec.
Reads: 2h26m36s
